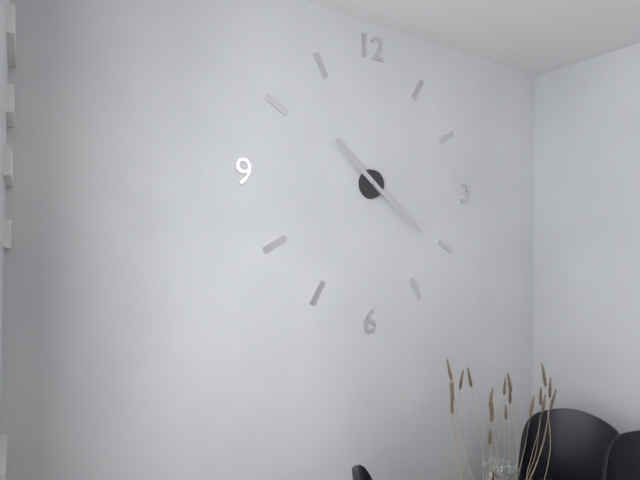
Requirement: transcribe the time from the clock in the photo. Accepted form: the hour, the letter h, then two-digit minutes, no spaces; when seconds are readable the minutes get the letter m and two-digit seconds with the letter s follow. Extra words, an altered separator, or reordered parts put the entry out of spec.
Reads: 10h21
